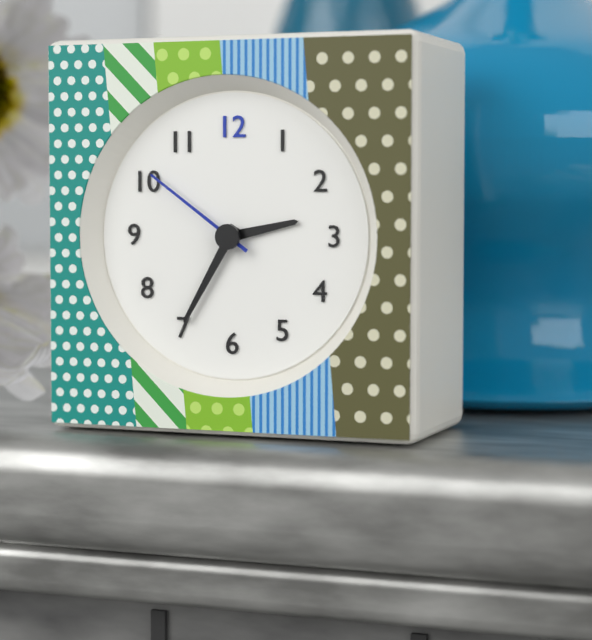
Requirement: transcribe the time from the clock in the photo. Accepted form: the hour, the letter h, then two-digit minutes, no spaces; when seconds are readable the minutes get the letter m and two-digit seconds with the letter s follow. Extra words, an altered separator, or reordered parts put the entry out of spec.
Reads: 2h35m51s
